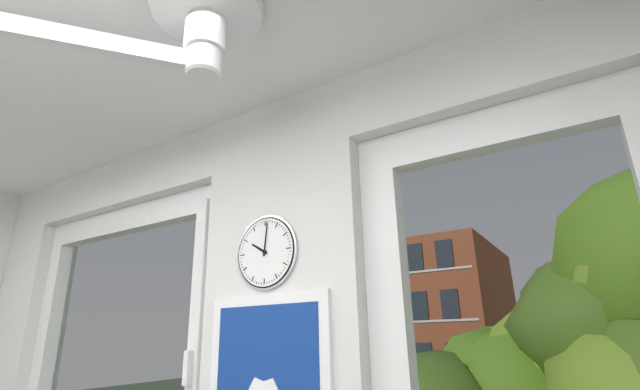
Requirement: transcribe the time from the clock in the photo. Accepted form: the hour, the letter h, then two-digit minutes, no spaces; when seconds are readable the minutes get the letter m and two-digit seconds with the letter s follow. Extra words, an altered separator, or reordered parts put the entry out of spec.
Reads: 10h01
